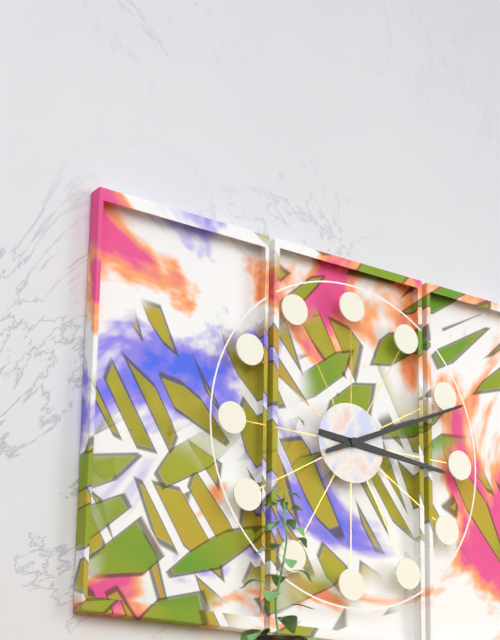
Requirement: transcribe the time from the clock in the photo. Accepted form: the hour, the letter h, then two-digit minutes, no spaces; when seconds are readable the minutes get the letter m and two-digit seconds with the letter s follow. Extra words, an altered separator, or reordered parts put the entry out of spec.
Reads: 3h11
